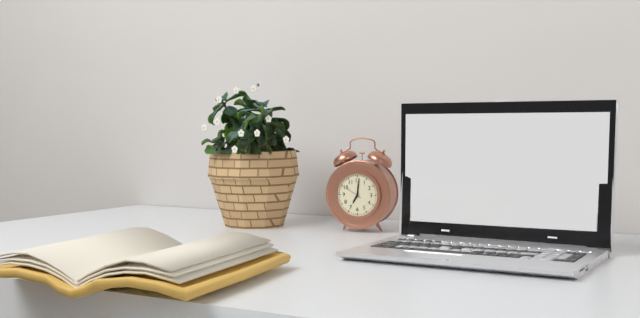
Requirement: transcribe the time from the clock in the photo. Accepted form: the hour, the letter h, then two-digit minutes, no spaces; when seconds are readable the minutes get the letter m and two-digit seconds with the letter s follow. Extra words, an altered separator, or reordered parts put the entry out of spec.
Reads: 7h01
